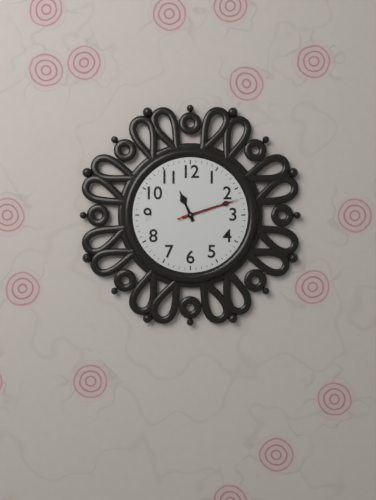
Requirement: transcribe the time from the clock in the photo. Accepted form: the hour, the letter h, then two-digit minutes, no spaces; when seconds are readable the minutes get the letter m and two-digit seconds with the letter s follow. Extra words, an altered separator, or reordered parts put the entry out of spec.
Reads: 11h12m12s
